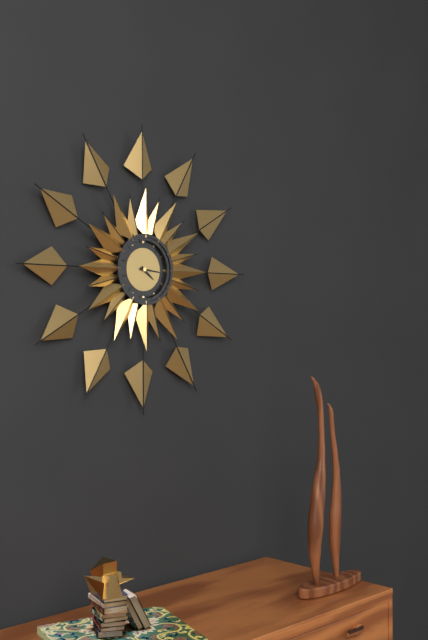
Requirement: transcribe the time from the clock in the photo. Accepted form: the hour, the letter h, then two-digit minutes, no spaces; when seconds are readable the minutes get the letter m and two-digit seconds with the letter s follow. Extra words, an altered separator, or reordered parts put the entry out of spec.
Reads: 4h16
